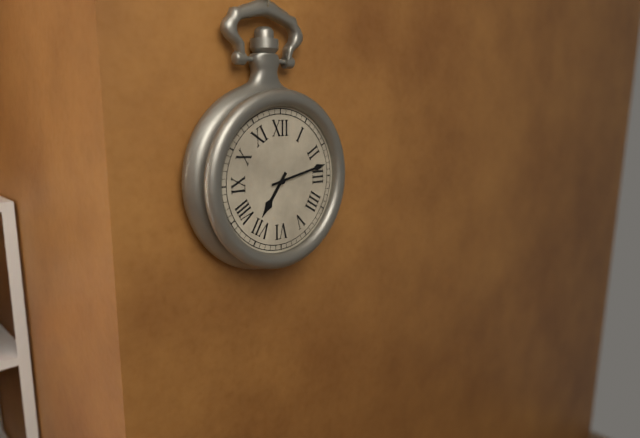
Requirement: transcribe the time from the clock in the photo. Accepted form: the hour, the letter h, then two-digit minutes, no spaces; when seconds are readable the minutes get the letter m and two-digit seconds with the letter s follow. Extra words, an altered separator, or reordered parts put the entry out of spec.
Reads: 7h13
